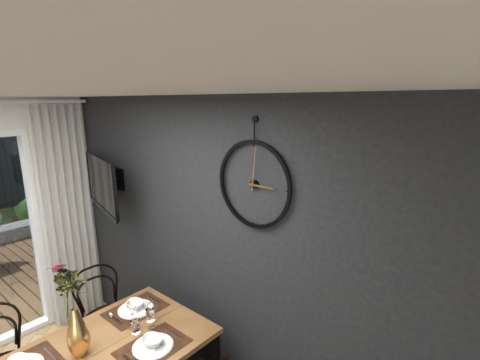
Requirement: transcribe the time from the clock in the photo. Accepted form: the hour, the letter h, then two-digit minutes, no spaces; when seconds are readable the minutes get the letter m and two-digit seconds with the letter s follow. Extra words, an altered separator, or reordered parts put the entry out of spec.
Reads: 3h01
